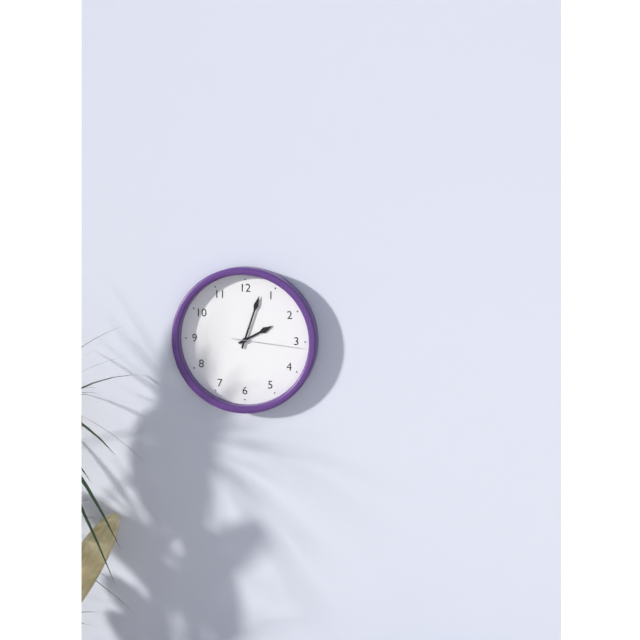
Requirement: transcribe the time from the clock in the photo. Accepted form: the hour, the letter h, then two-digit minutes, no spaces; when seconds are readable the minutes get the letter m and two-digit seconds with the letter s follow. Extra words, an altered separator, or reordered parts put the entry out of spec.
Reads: 2h03m16s
